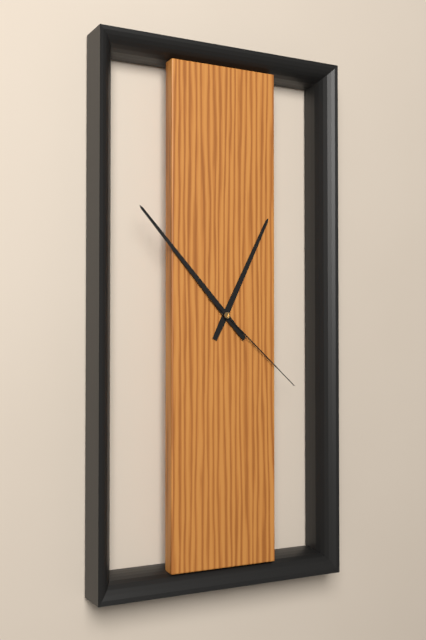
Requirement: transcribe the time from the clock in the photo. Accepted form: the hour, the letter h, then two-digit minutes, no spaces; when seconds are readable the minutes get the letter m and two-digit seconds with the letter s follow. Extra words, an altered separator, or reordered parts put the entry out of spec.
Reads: 12h53m22s
